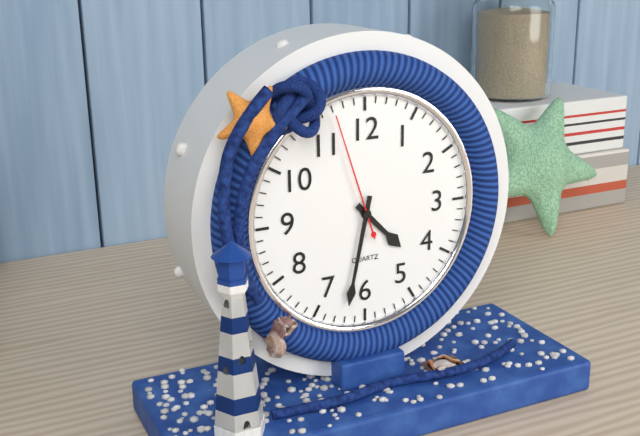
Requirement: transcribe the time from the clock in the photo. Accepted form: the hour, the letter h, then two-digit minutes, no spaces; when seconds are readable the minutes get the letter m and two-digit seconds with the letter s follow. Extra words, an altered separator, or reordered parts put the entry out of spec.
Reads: 4h32m57s
